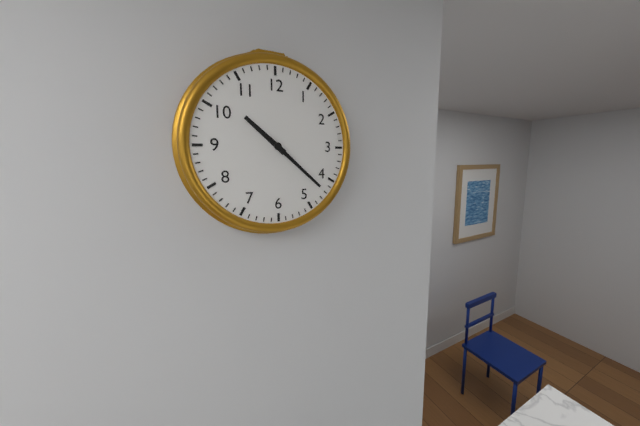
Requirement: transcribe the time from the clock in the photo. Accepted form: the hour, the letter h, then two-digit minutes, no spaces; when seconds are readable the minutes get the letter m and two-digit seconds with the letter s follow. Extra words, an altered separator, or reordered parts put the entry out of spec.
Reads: 10h22
